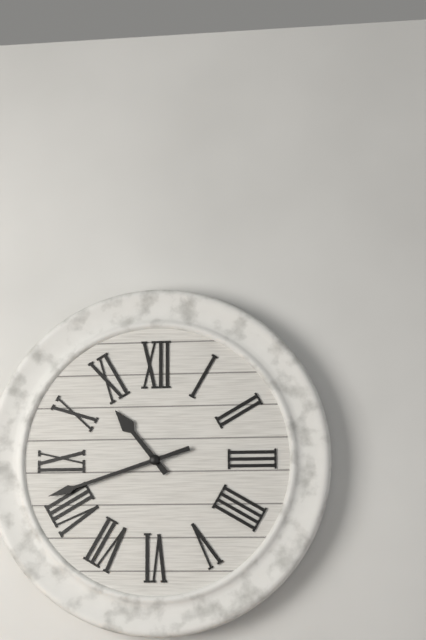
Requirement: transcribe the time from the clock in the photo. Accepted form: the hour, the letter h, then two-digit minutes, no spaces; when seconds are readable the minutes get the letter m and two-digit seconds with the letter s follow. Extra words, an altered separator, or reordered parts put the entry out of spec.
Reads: 10h42
